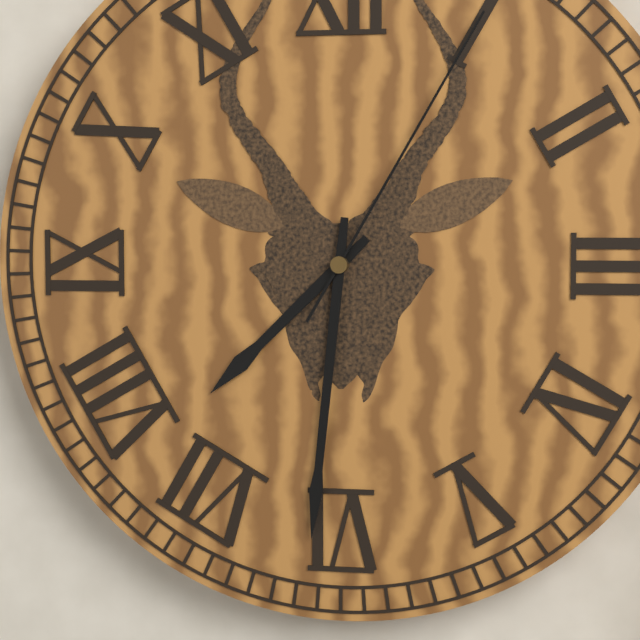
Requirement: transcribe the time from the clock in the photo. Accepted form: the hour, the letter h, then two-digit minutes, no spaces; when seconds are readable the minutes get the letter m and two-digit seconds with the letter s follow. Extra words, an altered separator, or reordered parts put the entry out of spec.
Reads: 7h31m05s
